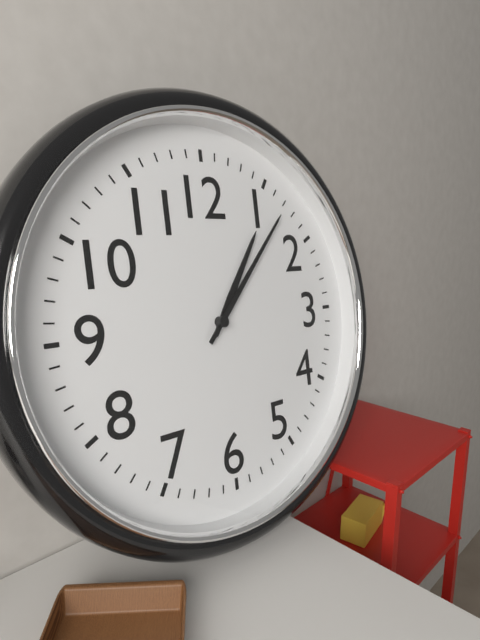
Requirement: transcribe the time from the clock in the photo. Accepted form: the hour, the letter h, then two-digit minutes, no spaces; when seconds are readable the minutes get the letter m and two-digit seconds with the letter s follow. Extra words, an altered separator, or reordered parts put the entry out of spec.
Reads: 1h07
